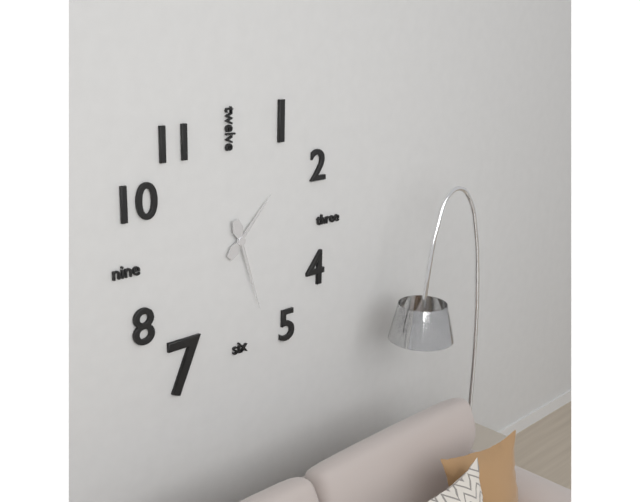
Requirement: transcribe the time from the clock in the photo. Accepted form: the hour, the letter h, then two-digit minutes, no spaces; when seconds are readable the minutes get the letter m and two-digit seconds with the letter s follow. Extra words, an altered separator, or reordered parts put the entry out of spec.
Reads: 1h27
